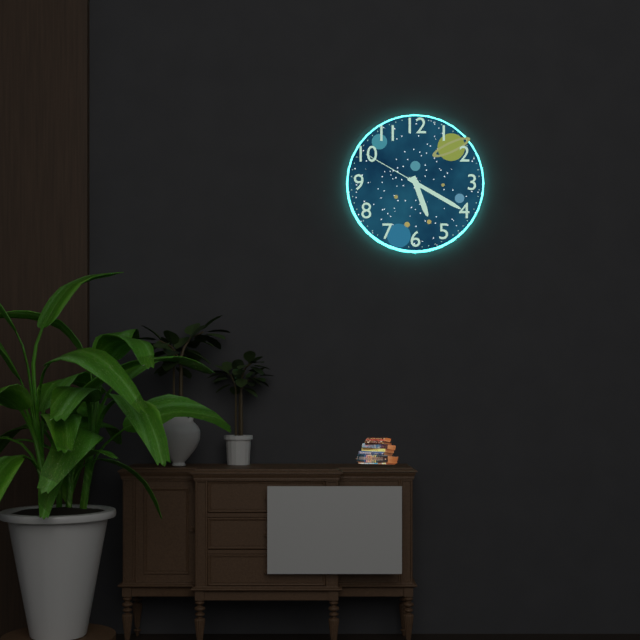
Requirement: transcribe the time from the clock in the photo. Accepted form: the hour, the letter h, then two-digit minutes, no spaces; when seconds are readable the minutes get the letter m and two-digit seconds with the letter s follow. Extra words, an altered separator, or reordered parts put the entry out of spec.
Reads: 5h20m50s
